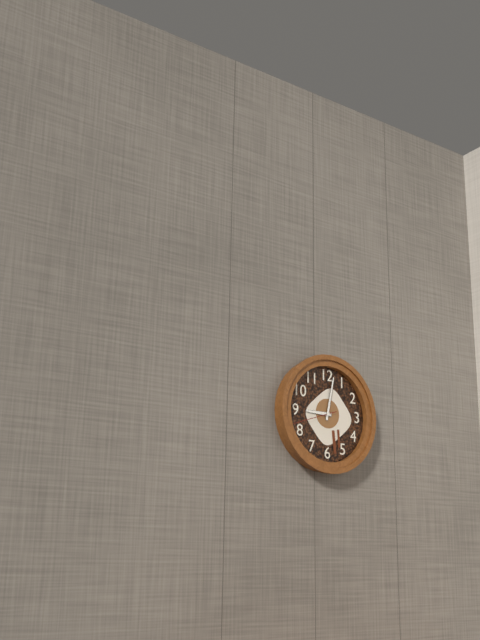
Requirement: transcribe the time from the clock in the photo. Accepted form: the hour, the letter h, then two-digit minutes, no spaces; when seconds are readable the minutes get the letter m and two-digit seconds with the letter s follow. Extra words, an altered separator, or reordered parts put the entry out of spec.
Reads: 9h02
